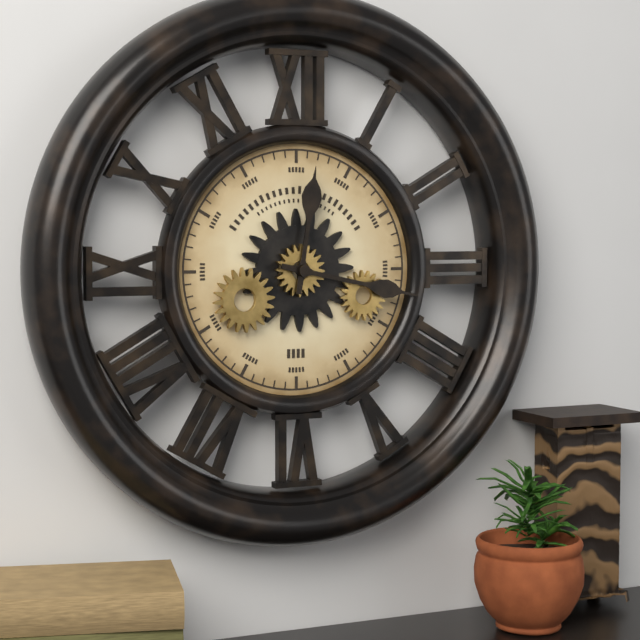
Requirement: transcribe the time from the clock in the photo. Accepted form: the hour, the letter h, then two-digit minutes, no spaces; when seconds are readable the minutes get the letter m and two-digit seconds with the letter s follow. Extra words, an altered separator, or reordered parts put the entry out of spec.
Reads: 12h17
